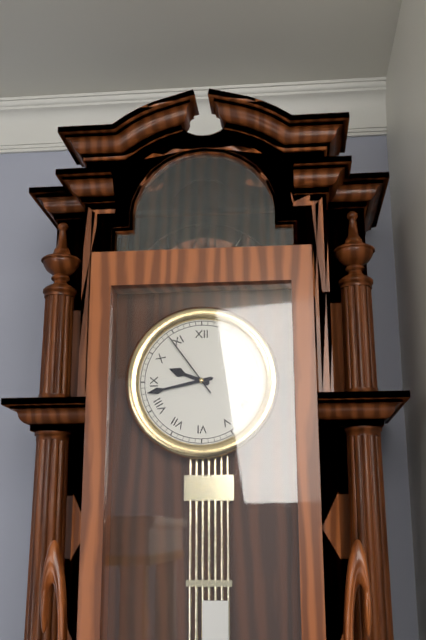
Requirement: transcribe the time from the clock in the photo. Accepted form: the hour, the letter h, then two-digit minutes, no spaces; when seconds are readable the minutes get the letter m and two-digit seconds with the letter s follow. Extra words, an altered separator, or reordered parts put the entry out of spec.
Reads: 9h43m54s
